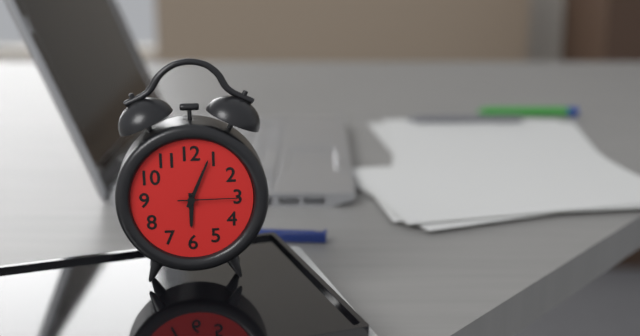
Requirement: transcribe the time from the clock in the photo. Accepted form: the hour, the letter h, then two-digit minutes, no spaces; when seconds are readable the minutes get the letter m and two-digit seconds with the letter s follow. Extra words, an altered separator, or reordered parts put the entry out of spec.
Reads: 6h04m15s
